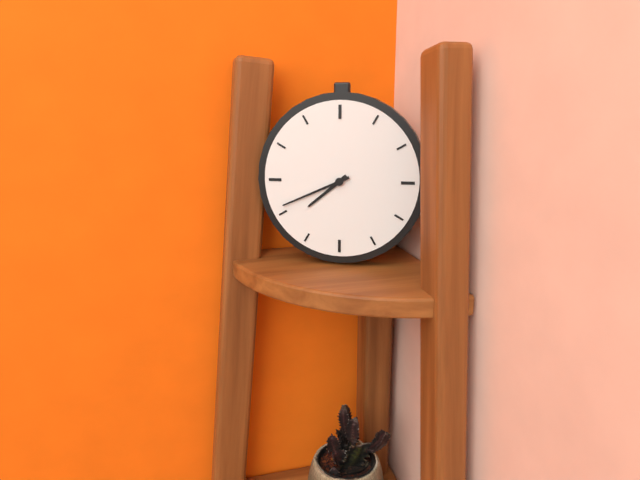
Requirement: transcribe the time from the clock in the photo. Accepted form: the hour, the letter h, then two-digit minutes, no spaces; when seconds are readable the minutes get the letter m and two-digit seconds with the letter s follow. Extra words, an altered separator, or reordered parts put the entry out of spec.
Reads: 7h41
